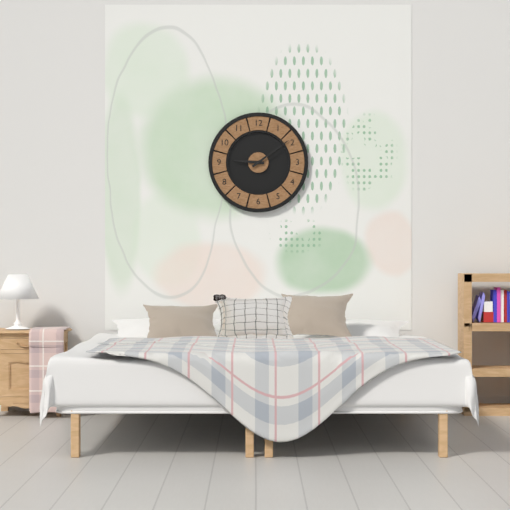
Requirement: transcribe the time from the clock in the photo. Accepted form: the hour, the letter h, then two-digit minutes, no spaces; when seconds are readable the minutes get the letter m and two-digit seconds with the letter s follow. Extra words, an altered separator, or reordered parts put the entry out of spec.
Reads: 9h09
